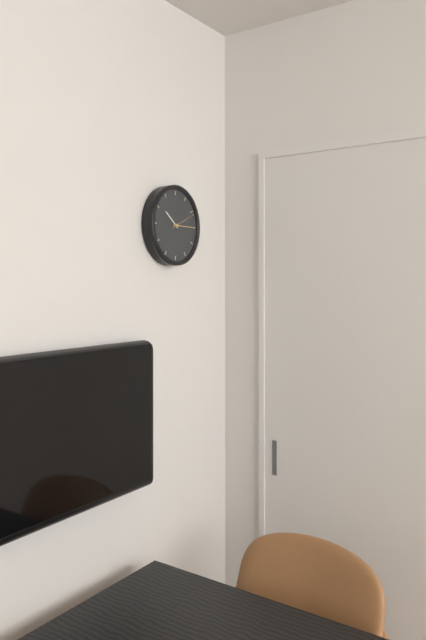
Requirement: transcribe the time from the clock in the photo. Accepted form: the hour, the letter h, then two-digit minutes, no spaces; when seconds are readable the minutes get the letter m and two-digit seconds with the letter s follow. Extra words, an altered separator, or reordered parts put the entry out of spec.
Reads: 10h15
